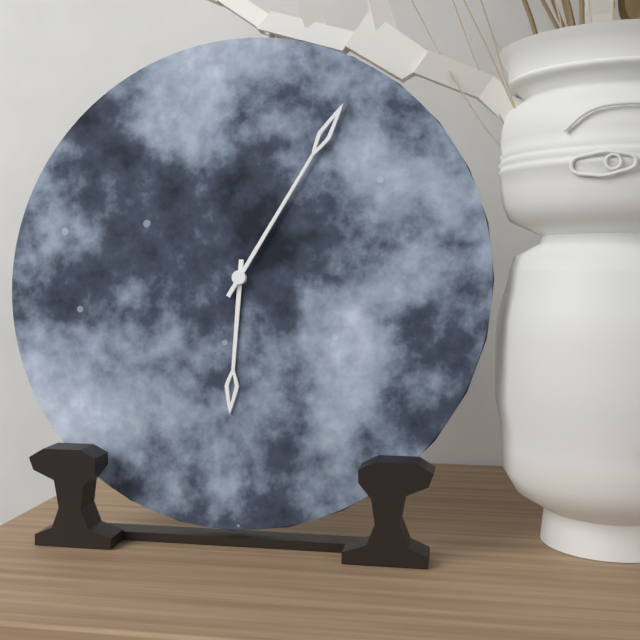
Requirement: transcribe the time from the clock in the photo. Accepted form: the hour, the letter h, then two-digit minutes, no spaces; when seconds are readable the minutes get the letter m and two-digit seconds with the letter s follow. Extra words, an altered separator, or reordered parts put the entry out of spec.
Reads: 6h05
